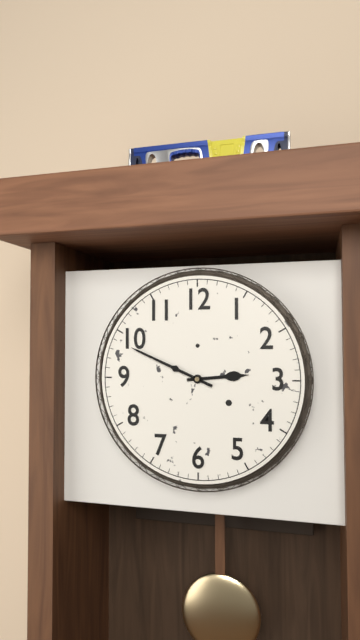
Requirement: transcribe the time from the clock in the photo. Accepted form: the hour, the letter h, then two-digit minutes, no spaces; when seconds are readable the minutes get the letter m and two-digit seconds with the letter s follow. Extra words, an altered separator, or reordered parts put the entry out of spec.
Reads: 2h49
